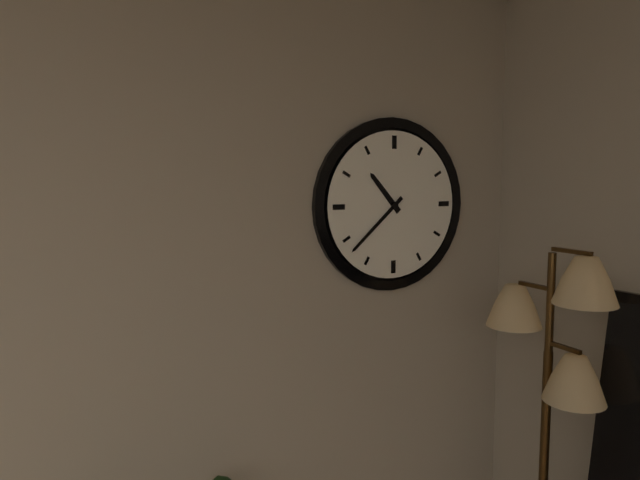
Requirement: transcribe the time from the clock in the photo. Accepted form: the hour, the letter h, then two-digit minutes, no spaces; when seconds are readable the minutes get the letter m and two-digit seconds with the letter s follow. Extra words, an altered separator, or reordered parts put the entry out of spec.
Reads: 10h38
